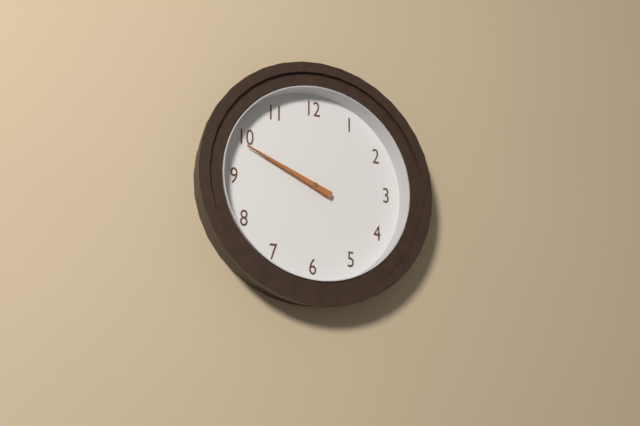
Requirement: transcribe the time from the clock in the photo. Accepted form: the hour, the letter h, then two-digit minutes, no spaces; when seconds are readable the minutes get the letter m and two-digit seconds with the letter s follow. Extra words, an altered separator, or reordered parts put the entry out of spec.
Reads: 9h49
